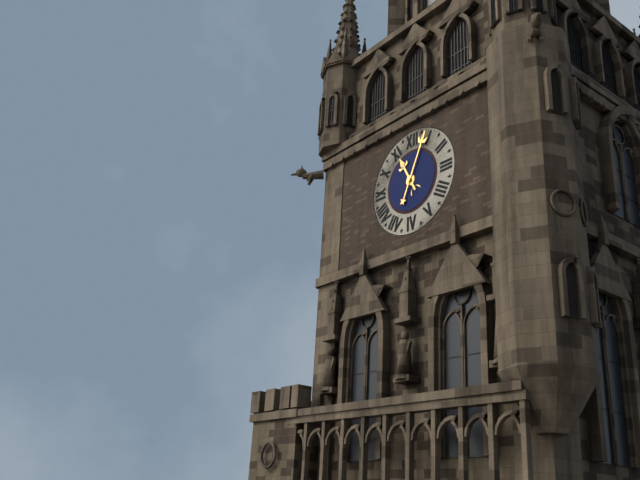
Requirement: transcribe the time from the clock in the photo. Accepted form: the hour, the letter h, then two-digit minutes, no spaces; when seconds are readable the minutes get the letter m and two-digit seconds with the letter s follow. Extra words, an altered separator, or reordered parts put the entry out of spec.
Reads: 11h04
